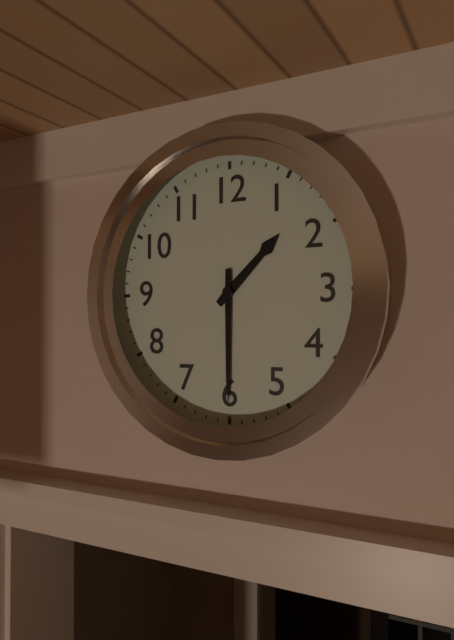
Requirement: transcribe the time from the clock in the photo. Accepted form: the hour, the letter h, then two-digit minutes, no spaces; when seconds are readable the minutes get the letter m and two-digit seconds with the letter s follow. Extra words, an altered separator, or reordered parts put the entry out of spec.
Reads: 1h30
